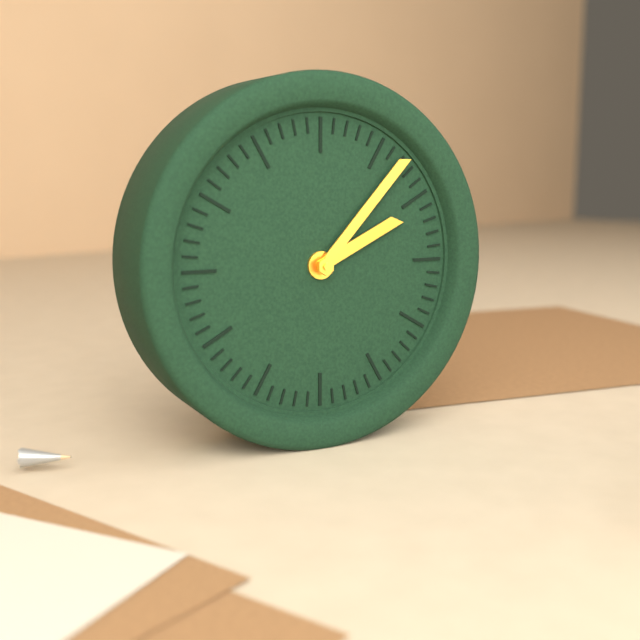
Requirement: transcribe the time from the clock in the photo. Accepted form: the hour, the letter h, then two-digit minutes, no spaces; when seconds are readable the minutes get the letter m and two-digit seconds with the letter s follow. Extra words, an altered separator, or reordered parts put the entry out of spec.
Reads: 2h07
